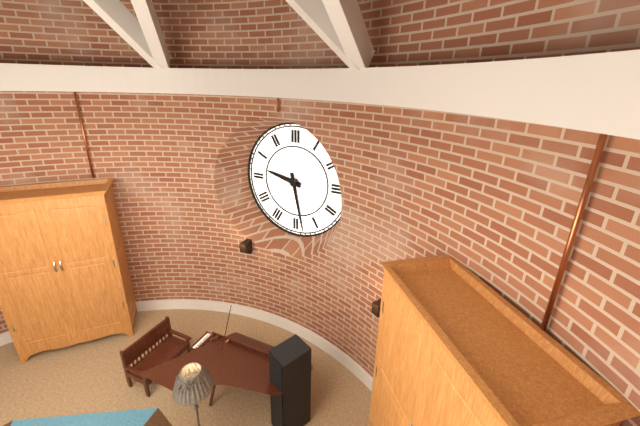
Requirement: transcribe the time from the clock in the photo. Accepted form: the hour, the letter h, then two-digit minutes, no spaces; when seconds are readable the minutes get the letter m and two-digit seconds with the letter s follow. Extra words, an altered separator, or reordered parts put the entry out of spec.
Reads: 9h28
